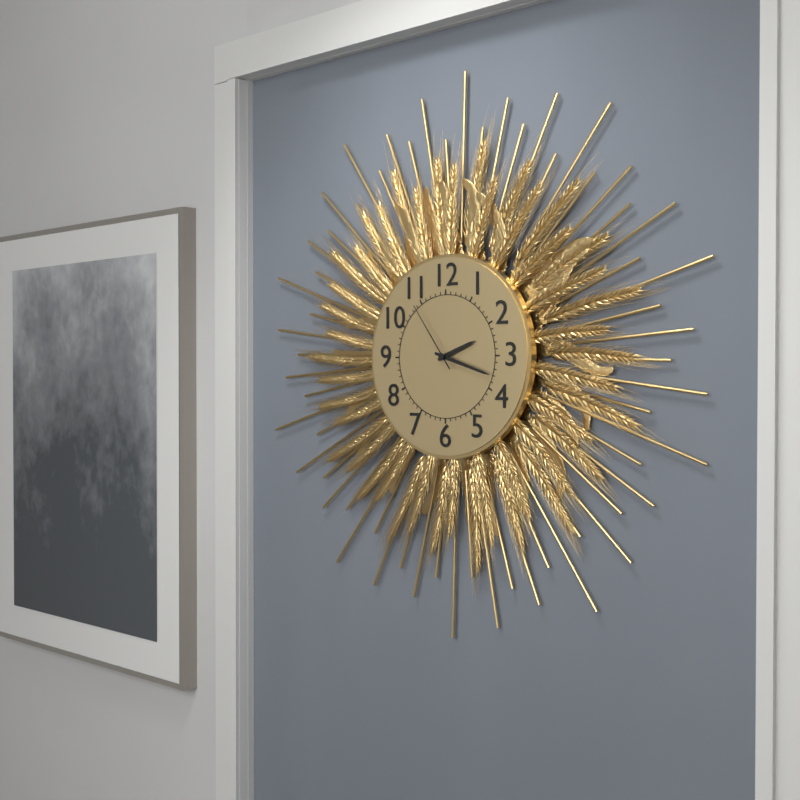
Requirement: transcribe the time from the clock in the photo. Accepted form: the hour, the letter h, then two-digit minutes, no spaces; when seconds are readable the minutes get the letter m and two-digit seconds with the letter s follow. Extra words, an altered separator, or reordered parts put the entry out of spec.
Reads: 2h18m54s
